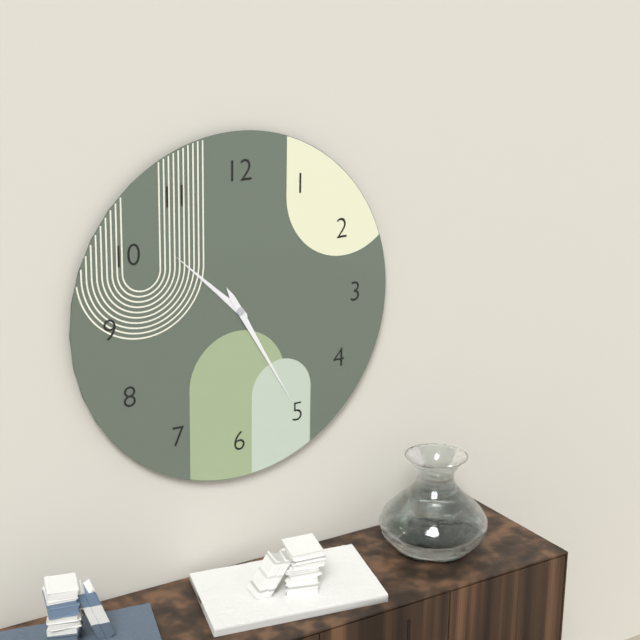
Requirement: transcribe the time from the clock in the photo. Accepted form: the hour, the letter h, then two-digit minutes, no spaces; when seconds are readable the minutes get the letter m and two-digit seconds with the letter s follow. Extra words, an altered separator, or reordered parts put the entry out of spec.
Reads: 10h25
